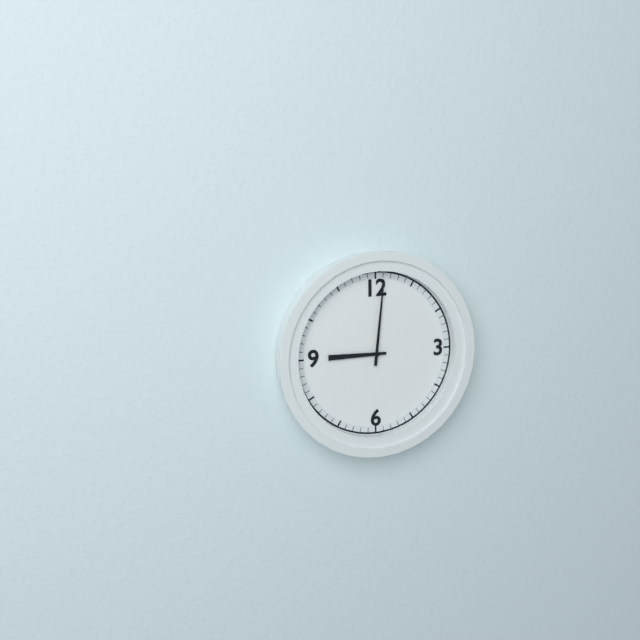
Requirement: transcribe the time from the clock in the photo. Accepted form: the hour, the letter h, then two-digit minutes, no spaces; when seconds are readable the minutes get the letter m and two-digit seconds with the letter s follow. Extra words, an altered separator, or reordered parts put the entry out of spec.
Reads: 9h01
